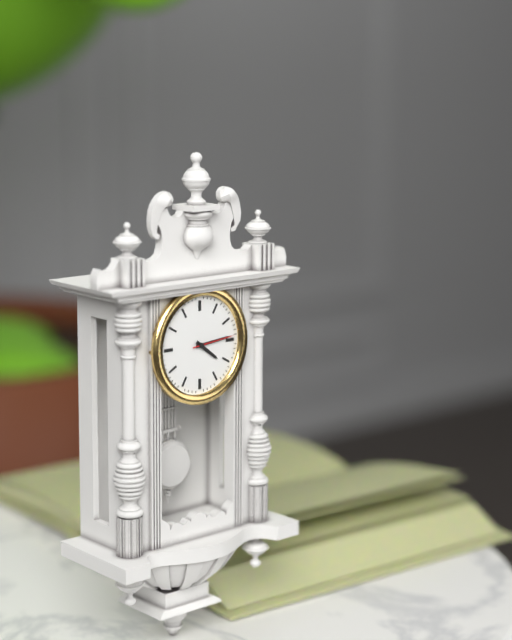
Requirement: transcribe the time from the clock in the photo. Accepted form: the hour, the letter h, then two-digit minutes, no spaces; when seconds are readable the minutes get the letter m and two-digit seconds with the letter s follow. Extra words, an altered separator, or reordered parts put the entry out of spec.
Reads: 4h14
